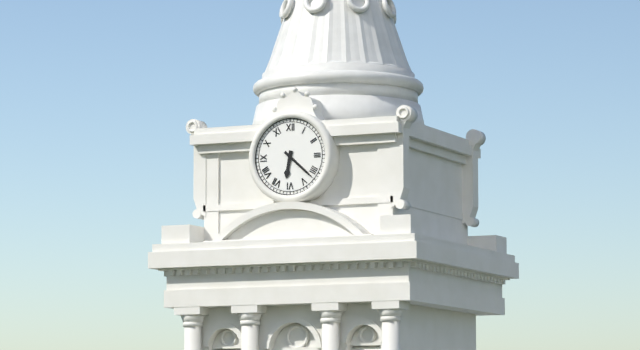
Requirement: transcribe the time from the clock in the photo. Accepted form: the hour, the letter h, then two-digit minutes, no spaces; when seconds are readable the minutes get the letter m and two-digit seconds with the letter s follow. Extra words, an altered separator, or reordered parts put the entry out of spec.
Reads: 6h22
